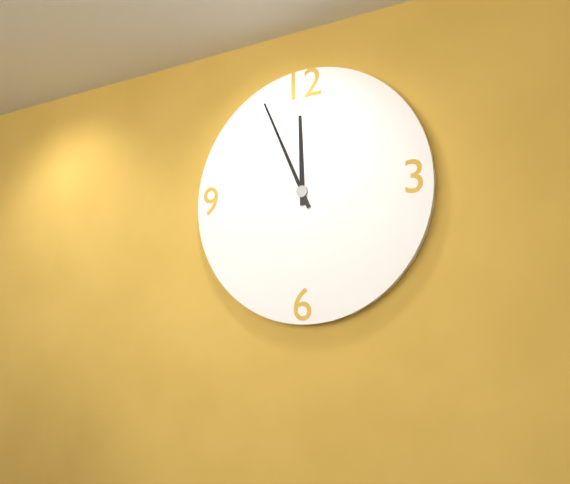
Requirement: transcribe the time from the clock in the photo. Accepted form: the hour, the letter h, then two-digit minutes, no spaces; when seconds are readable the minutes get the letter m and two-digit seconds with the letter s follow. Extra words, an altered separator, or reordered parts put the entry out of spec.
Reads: 11h56
